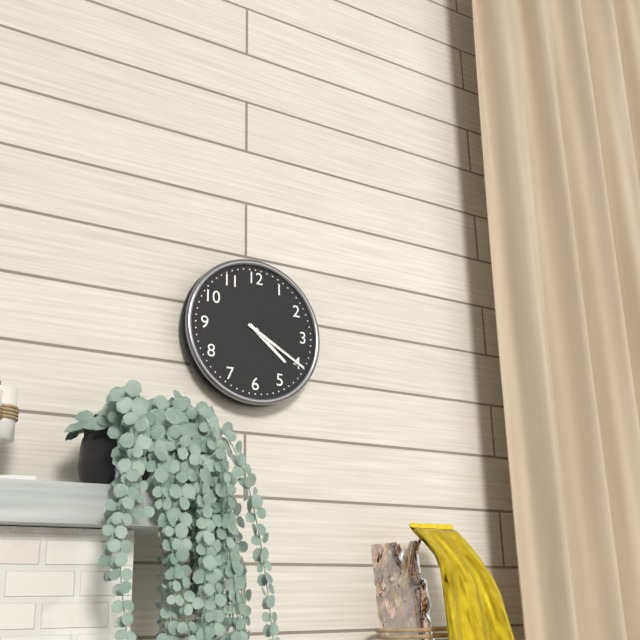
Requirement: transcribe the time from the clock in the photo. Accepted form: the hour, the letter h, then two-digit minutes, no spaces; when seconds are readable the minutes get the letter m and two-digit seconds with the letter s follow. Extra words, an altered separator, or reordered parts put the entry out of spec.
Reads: 4h20
